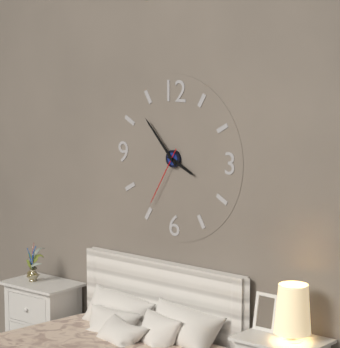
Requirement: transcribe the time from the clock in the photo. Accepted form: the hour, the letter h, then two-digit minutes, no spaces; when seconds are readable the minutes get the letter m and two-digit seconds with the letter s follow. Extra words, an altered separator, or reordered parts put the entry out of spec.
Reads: 3h53m35s
